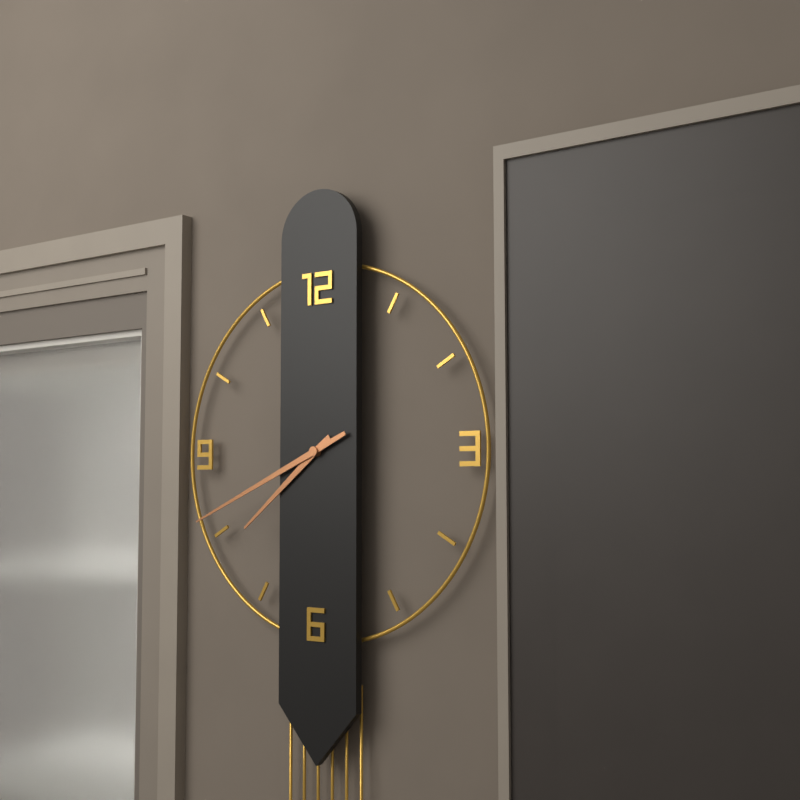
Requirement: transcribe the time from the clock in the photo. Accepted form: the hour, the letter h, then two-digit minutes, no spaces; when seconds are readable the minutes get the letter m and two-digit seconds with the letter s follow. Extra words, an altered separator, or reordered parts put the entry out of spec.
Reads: 7h41
